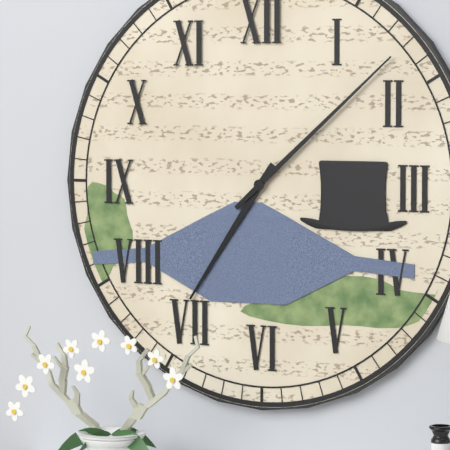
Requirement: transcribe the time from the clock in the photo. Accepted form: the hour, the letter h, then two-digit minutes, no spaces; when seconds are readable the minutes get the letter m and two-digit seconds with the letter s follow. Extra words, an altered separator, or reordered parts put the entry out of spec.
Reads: 7h08
